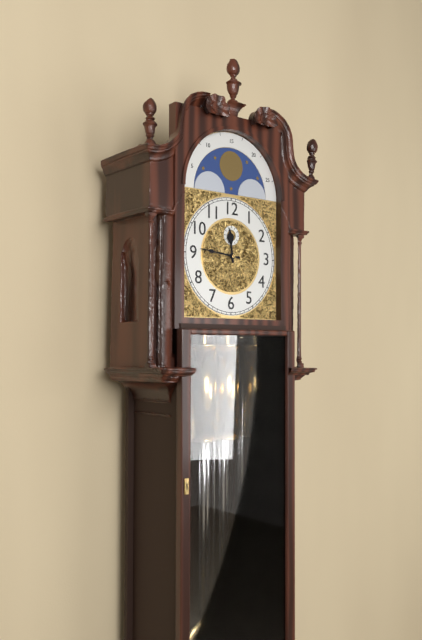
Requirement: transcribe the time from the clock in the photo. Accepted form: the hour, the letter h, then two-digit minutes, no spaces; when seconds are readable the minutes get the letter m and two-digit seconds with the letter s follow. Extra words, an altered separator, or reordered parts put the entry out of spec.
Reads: 11h46
